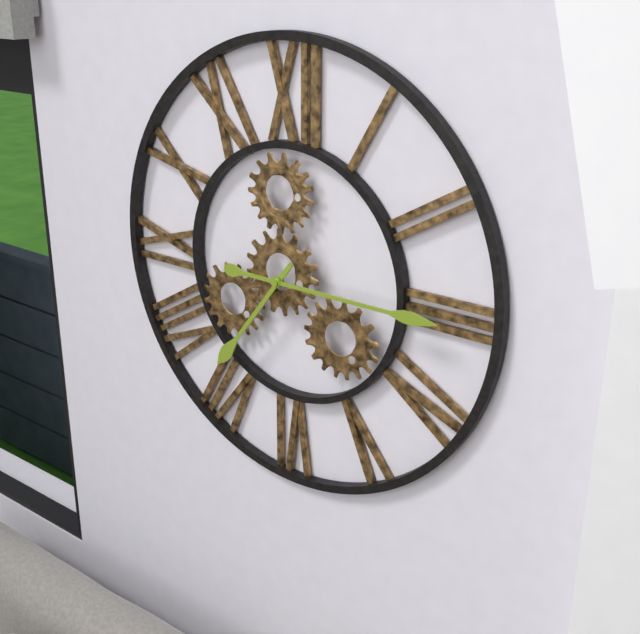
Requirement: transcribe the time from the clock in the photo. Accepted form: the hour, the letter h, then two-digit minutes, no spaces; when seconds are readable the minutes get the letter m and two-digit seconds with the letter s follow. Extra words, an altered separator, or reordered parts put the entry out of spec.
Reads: 7h15
